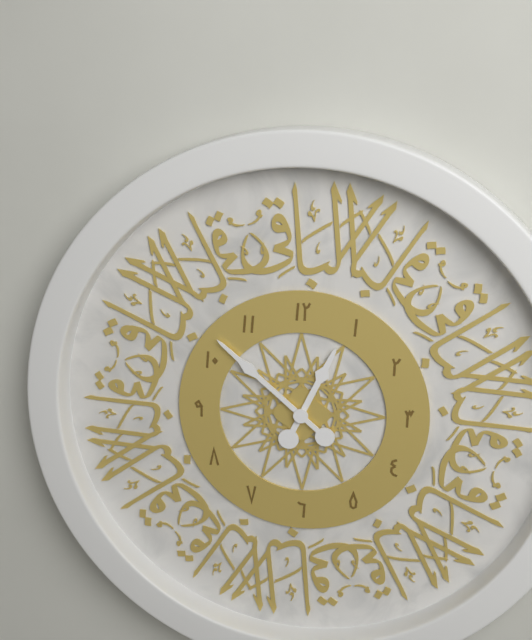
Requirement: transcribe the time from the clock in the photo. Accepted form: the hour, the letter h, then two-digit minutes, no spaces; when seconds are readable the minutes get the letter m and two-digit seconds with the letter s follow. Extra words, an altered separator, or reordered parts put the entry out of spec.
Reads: 12h52
